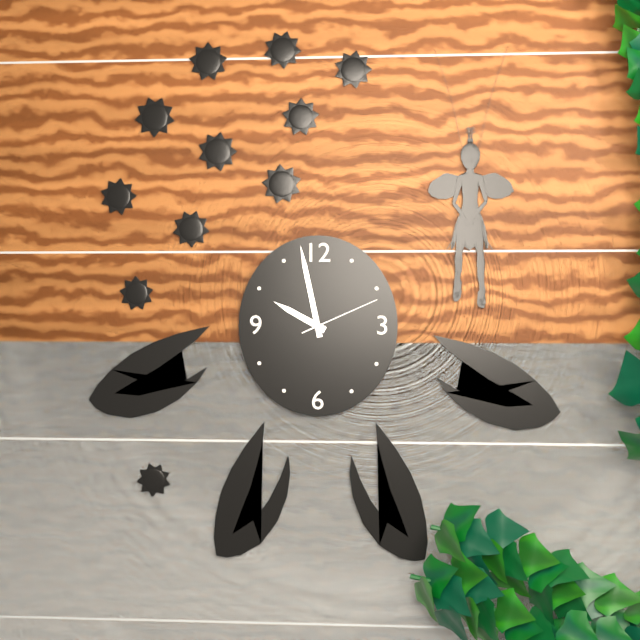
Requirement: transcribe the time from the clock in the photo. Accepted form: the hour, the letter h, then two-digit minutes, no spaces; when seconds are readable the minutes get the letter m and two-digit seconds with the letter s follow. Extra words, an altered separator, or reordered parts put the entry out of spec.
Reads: 9h58m11s
